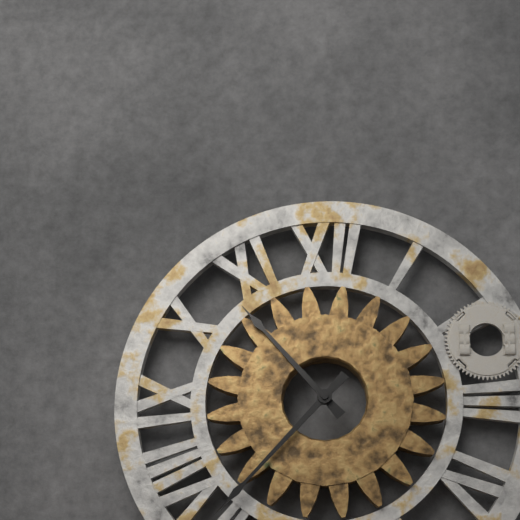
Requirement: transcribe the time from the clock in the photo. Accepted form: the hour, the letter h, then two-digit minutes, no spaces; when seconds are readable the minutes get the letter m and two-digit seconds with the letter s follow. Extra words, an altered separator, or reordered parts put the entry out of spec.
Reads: 10h37
